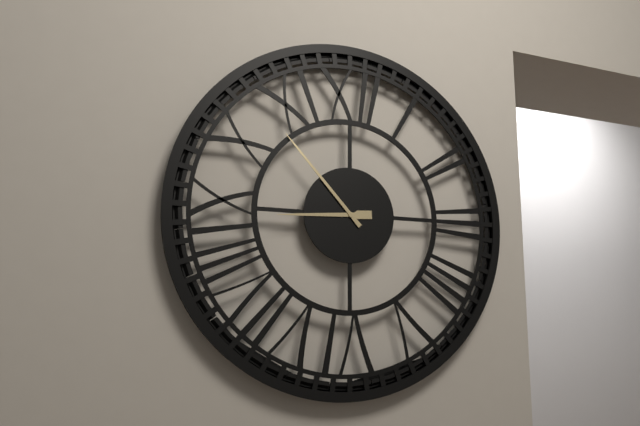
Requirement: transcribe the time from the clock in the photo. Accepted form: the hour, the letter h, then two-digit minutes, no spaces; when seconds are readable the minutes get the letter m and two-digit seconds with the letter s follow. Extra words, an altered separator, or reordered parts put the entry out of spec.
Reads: 8h53
